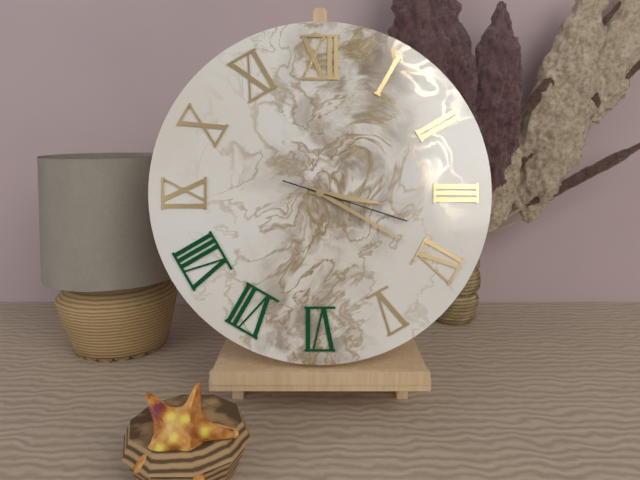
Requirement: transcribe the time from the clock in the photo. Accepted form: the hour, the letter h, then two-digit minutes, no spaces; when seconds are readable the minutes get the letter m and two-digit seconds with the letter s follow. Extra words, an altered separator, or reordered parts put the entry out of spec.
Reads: 3h20m18s
